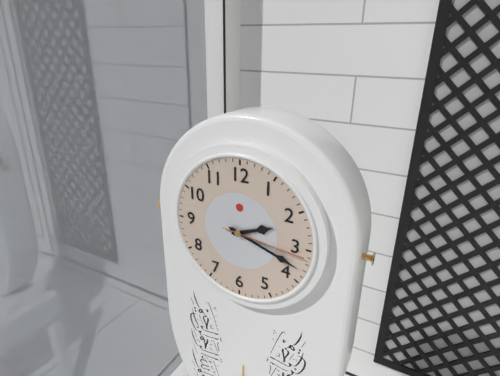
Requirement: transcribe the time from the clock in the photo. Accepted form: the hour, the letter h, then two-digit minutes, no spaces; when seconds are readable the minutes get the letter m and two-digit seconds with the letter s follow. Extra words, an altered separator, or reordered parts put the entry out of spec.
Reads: 2h18m16s
